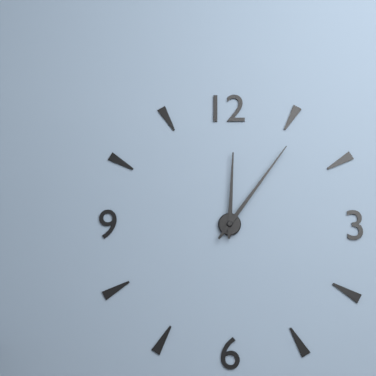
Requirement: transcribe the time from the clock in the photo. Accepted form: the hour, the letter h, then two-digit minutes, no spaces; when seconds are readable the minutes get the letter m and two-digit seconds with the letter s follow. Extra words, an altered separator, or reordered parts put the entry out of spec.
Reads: 12h06
